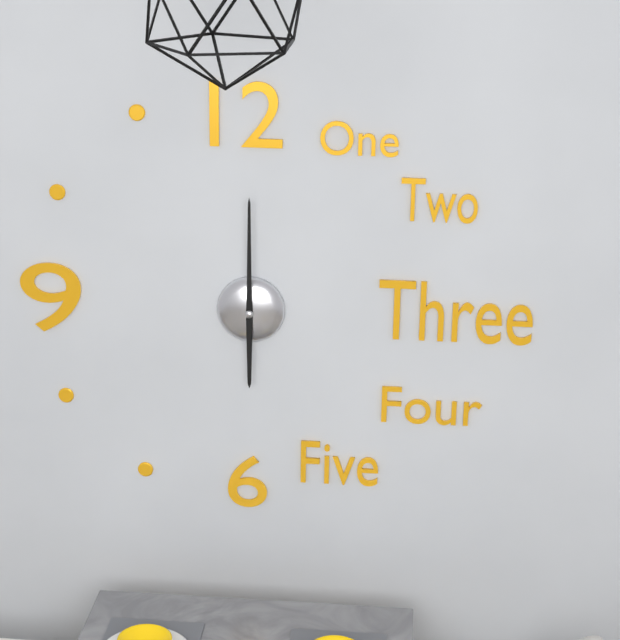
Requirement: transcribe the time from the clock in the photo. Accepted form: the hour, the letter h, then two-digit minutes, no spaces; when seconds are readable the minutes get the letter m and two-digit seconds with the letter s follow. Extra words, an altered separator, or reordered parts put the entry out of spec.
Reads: 6h00
